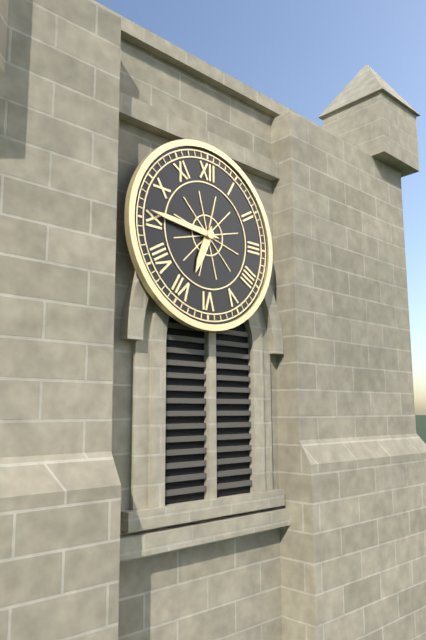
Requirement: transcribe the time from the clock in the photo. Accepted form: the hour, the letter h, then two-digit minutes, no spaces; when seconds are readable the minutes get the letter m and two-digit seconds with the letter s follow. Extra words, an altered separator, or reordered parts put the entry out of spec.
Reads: 6h46
